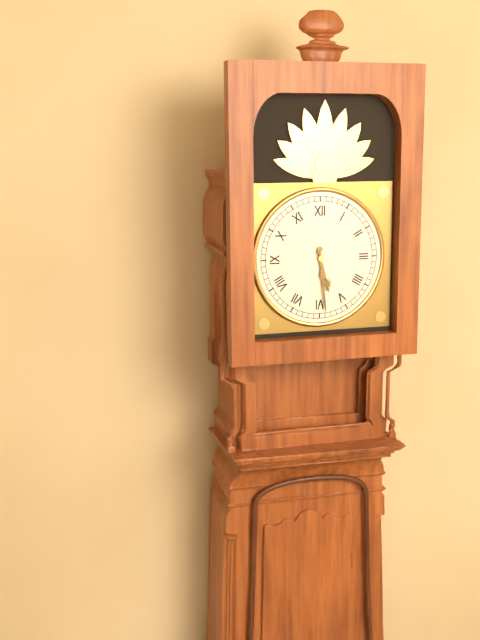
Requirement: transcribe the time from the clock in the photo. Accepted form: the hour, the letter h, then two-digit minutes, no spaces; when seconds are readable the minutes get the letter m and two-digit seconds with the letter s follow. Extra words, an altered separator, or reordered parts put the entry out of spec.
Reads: 5h29
